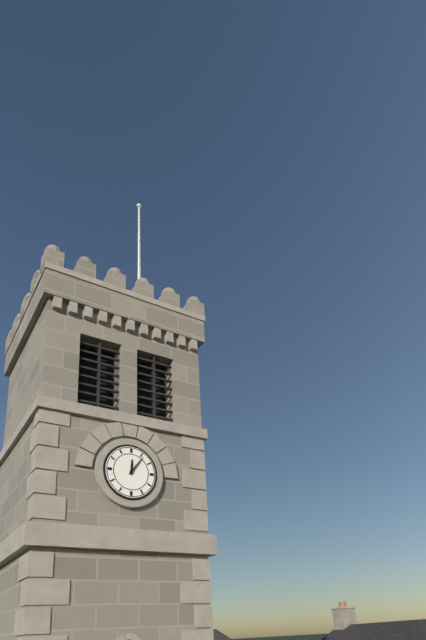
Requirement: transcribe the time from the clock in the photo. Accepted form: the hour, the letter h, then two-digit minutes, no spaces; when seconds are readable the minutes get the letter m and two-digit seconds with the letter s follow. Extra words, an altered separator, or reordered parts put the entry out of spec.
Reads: 12h06
